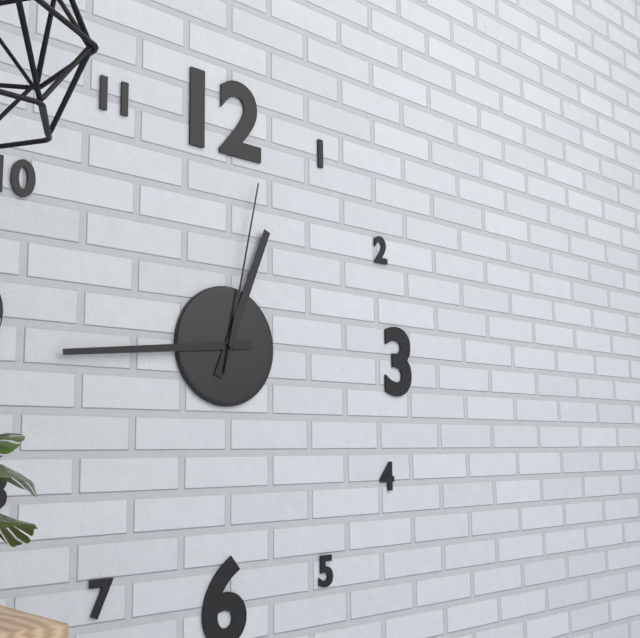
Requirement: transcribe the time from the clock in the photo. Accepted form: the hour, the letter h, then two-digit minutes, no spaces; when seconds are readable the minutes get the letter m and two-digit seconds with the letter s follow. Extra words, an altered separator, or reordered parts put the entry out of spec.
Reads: 12h44m02s
